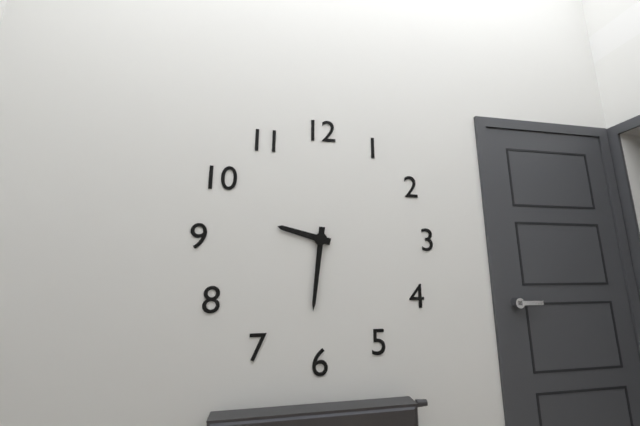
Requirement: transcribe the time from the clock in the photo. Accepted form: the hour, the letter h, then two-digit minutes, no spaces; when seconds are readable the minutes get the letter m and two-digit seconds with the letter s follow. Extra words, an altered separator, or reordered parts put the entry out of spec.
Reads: 9h31
